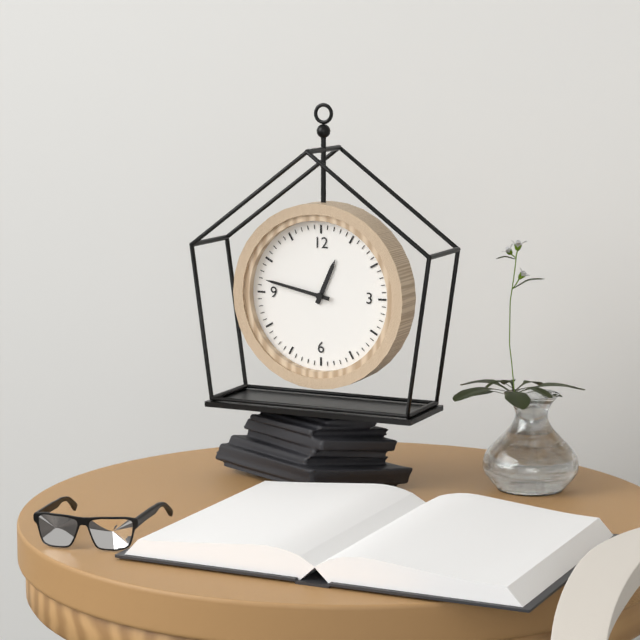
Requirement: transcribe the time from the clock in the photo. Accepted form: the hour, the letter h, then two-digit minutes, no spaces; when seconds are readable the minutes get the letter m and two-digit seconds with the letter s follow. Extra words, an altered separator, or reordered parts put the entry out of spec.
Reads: 12h47
